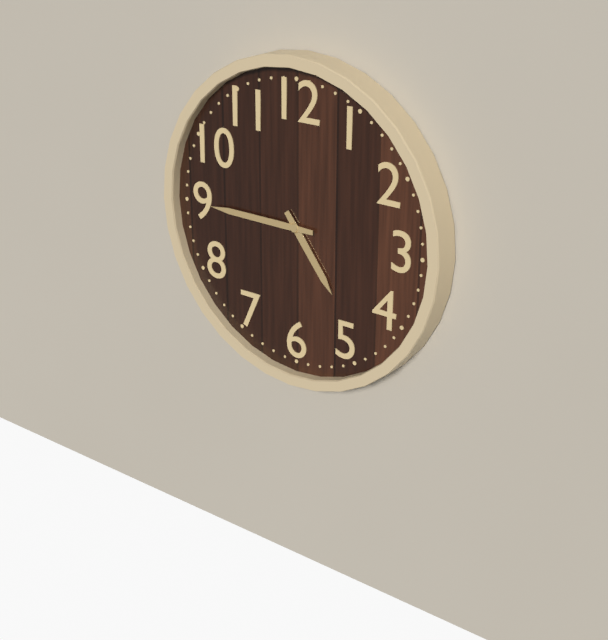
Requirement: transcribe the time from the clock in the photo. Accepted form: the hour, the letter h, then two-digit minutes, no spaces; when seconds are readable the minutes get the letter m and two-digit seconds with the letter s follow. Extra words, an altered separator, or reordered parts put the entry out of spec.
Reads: 4h45
